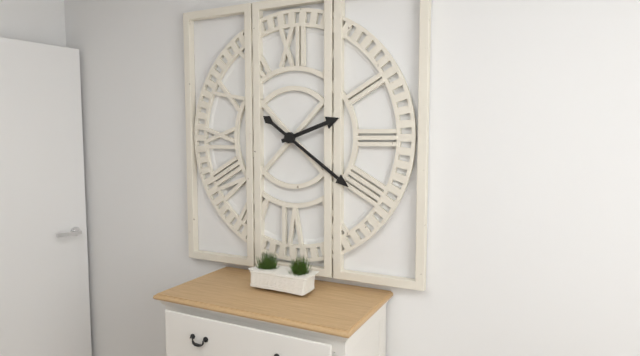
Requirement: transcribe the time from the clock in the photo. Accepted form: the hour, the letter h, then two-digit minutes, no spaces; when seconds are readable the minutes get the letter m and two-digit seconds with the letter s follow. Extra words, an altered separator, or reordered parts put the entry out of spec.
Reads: 2h21
